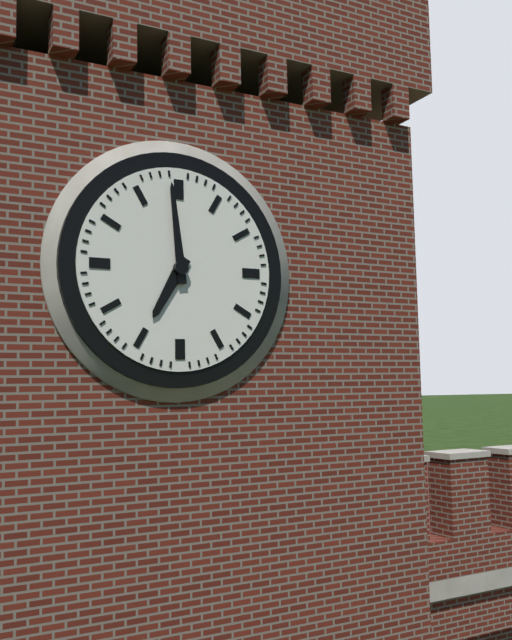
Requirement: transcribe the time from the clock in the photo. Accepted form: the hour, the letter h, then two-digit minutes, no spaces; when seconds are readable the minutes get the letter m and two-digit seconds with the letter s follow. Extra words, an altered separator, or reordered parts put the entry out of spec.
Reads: 6h59
